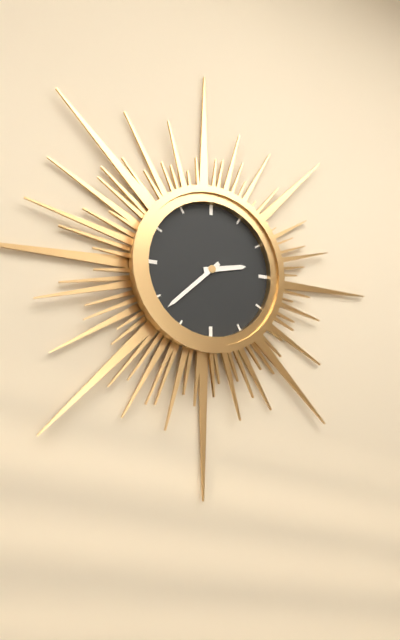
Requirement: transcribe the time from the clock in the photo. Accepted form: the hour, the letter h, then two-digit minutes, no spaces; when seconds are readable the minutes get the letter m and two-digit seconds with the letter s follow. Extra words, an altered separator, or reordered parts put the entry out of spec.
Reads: 2h38
